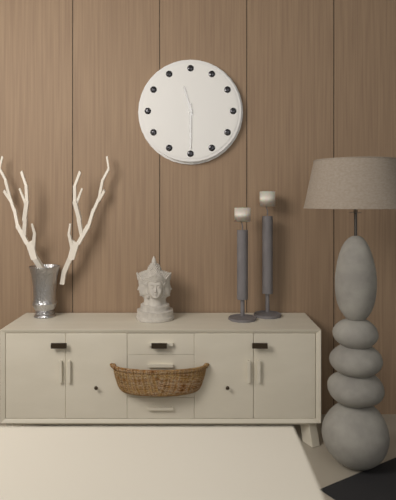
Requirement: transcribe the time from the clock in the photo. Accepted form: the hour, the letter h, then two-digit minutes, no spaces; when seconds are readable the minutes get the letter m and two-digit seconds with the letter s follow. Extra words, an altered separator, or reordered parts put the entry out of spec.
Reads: 11h30
